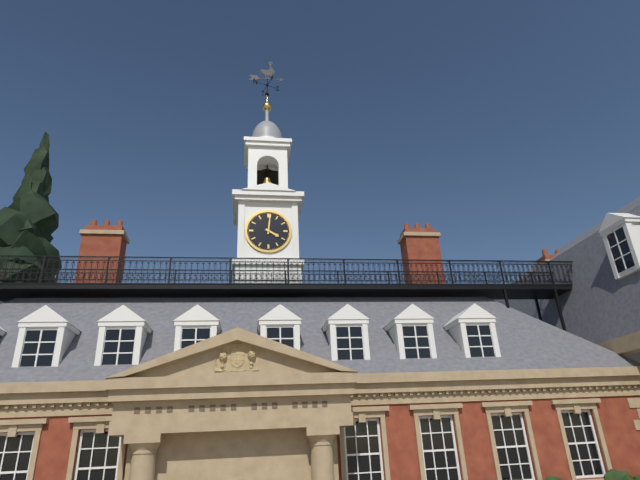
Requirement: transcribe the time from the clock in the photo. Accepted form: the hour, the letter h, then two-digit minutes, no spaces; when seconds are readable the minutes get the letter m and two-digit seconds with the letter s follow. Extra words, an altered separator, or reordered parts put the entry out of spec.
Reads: 4h01
